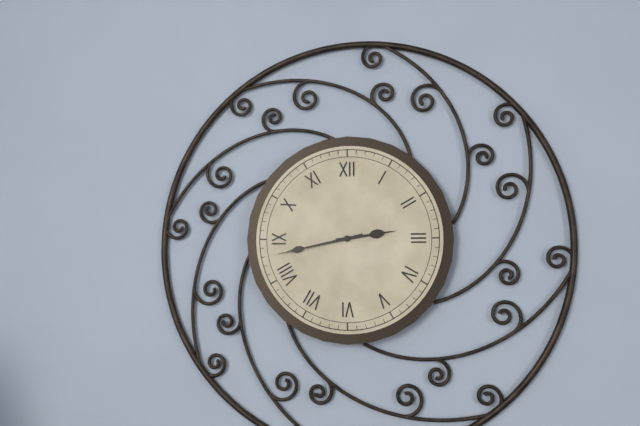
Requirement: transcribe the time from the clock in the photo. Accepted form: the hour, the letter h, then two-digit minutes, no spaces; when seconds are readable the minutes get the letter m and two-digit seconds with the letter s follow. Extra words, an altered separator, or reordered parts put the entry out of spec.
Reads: 2h43
